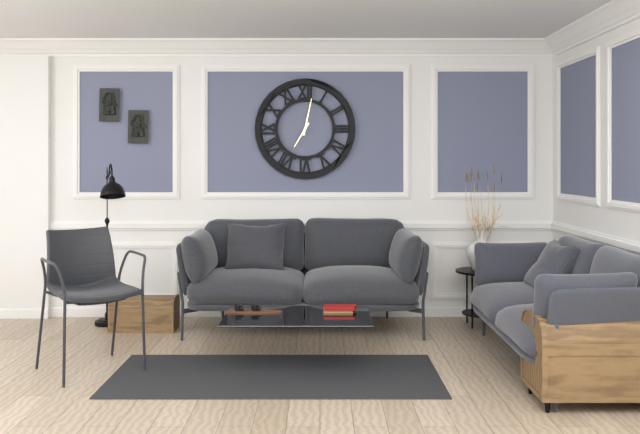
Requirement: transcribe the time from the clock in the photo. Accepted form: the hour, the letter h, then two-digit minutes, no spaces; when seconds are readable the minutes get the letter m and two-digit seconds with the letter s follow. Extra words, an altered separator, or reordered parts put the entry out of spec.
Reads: 7h02
